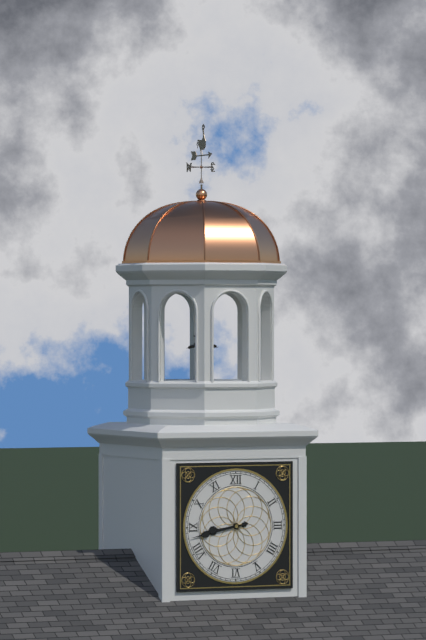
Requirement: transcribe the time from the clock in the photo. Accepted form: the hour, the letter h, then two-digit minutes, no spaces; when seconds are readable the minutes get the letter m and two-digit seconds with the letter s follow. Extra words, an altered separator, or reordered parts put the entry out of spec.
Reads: 8h43
